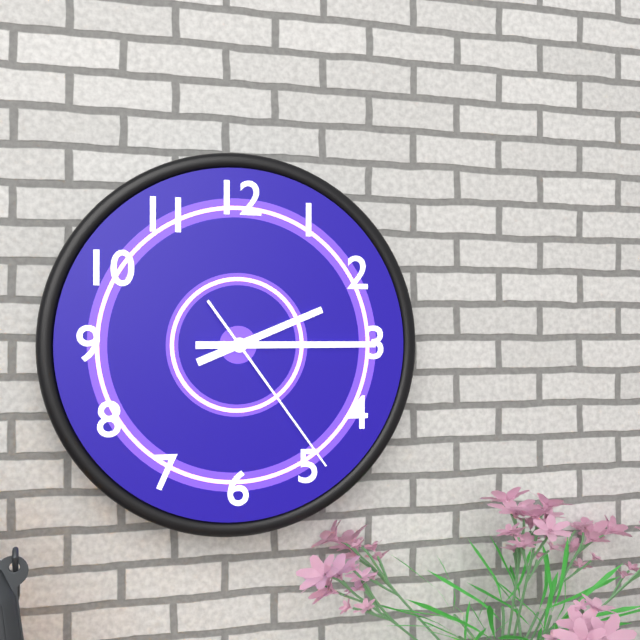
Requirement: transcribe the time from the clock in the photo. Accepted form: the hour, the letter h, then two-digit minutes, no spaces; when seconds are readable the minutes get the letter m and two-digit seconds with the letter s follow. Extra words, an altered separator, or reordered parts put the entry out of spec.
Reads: 2h15m24s
